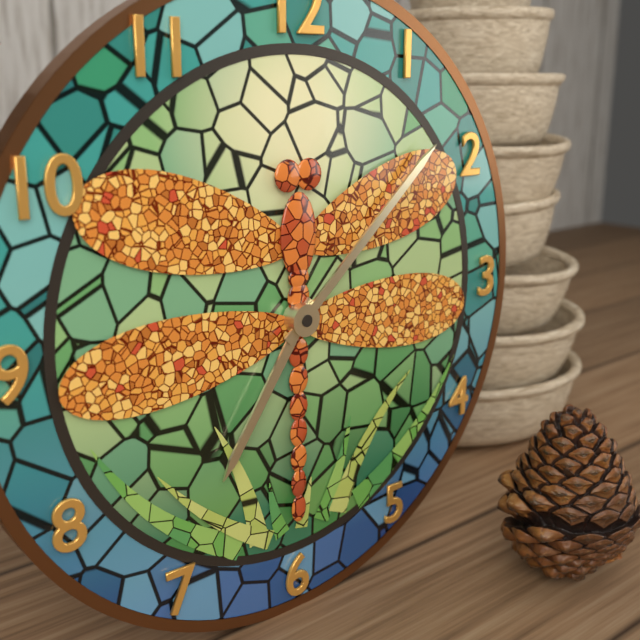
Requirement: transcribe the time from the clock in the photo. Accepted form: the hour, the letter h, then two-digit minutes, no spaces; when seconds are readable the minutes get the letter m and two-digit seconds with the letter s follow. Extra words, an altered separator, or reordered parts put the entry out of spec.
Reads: 7h08
